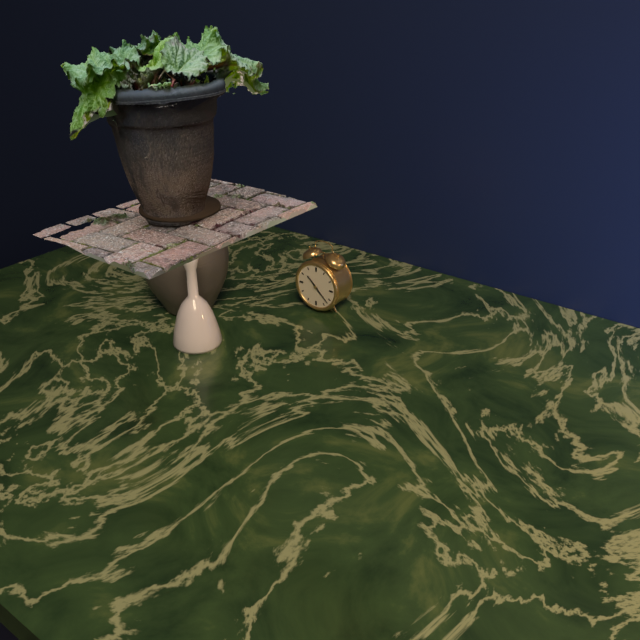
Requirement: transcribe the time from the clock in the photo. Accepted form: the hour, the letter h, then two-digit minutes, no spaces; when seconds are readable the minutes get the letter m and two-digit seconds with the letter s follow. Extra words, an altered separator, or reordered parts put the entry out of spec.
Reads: 10h22
